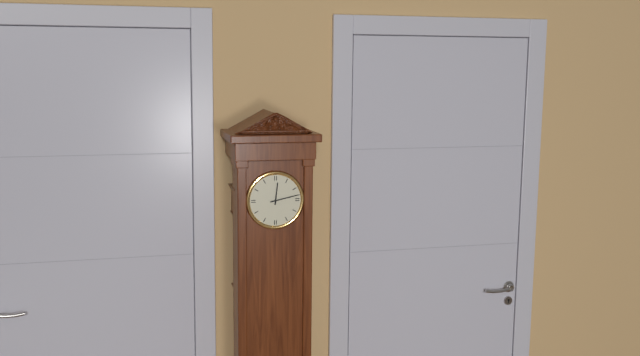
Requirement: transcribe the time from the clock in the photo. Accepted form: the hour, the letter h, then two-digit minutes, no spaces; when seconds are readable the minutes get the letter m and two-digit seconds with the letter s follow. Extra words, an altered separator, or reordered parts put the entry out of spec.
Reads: 12h13
